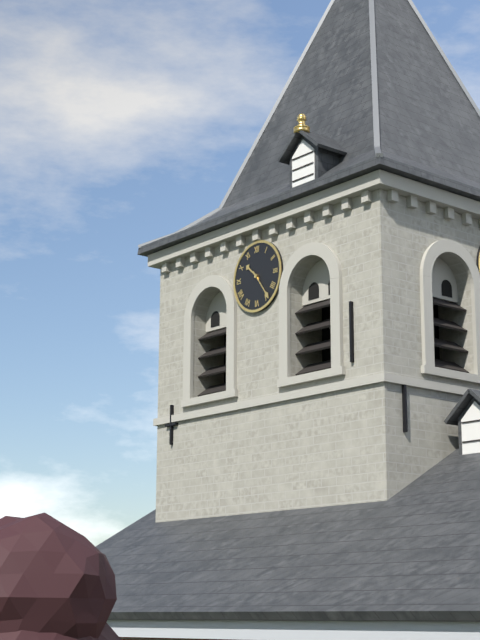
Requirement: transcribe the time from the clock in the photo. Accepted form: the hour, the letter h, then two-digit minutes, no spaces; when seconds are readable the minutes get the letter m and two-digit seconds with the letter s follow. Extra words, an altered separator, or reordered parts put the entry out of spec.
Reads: 10h24
